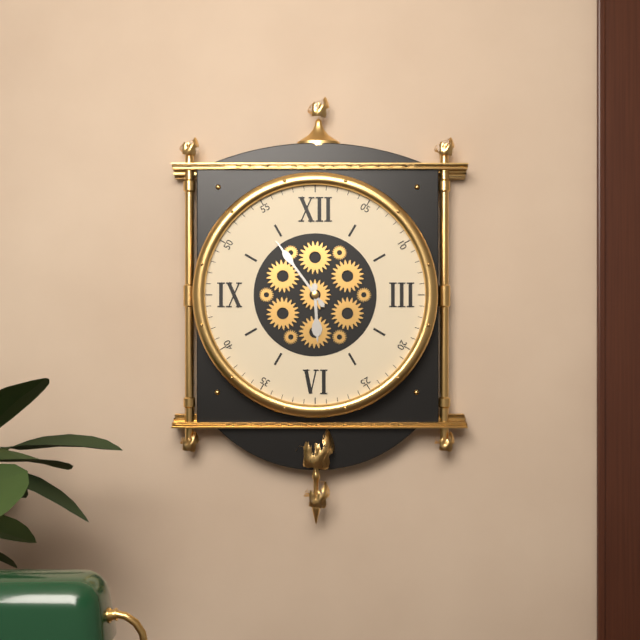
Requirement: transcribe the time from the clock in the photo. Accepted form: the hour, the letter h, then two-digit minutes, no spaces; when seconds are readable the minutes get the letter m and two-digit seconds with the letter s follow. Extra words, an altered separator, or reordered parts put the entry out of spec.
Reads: 5h54
